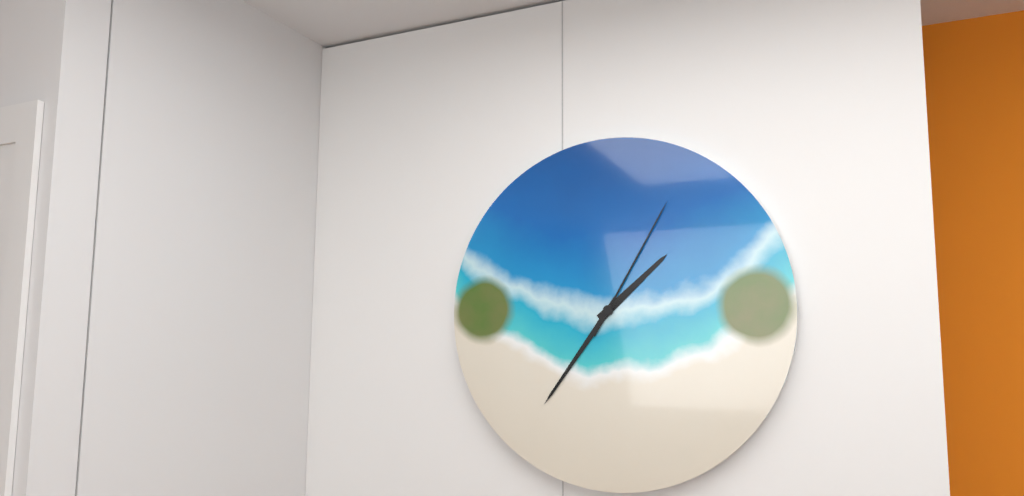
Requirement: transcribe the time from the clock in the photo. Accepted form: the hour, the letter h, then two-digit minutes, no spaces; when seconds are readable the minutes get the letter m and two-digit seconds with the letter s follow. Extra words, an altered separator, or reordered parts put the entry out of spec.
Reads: 1h36m05s
